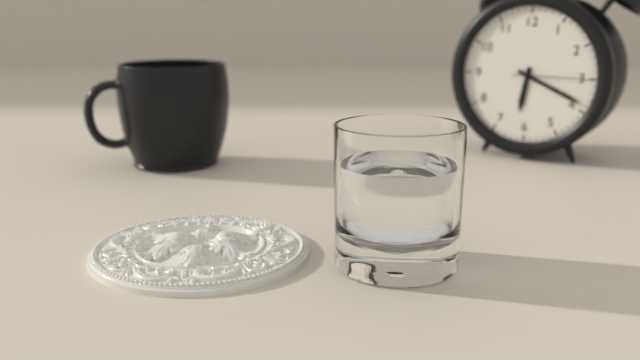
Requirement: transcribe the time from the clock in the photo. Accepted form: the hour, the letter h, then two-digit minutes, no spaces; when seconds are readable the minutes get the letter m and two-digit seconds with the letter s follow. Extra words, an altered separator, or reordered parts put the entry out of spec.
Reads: 6h19m15s
